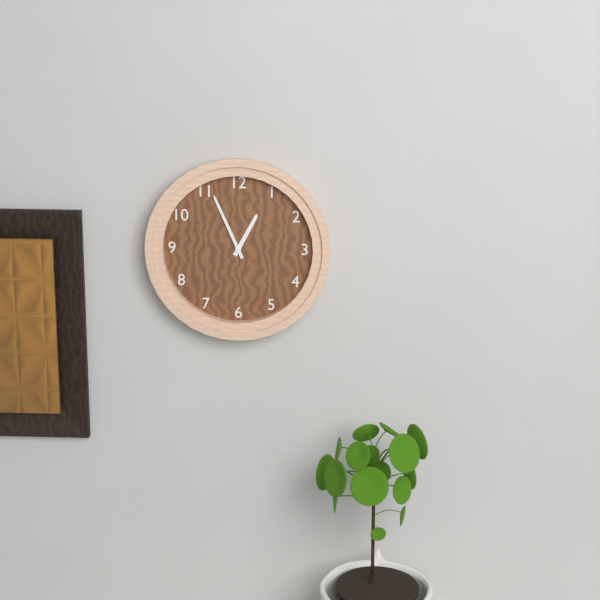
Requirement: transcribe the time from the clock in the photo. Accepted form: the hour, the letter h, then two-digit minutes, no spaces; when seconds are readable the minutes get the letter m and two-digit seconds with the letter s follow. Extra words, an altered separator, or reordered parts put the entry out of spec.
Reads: 12h56
